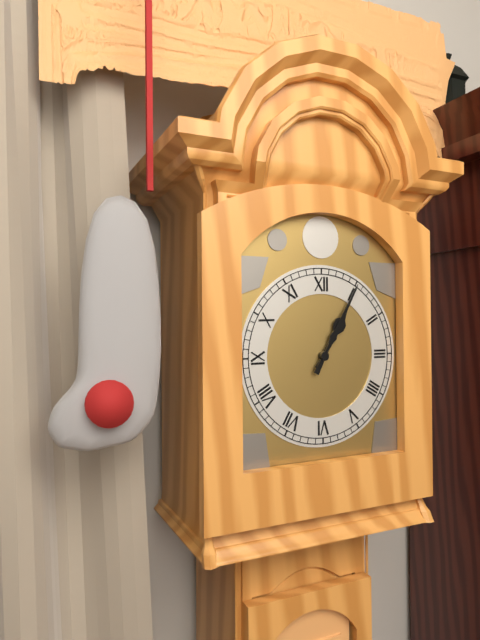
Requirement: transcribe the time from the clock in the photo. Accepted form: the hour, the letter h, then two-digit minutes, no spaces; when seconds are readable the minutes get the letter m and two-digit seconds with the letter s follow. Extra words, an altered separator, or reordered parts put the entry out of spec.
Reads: 1h05
